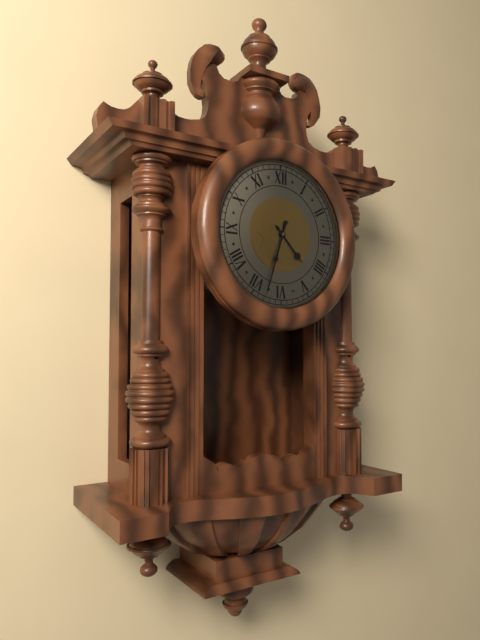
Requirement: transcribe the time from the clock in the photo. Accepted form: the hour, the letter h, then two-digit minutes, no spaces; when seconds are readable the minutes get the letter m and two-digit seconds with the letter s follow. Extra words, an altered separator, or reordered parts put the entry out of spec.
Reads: 4h33
